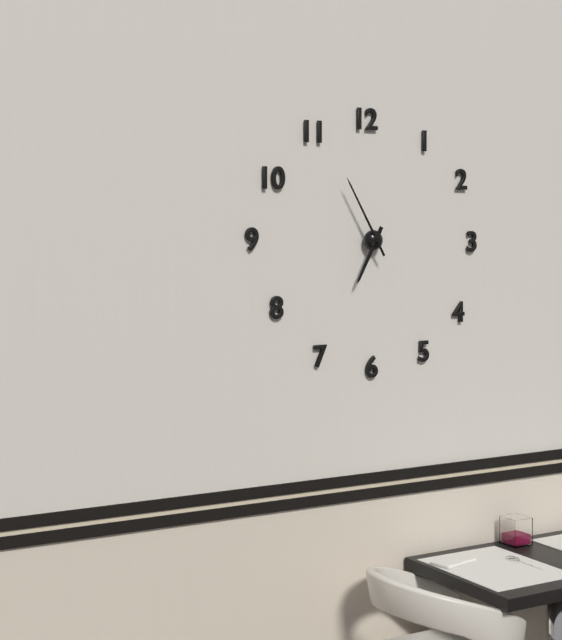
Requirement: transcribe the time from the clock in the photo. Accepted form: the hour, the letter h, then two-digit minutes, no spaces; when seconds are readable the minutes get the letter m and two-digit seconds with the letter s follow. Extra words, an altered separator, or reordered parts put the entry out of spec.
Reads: 6h55
